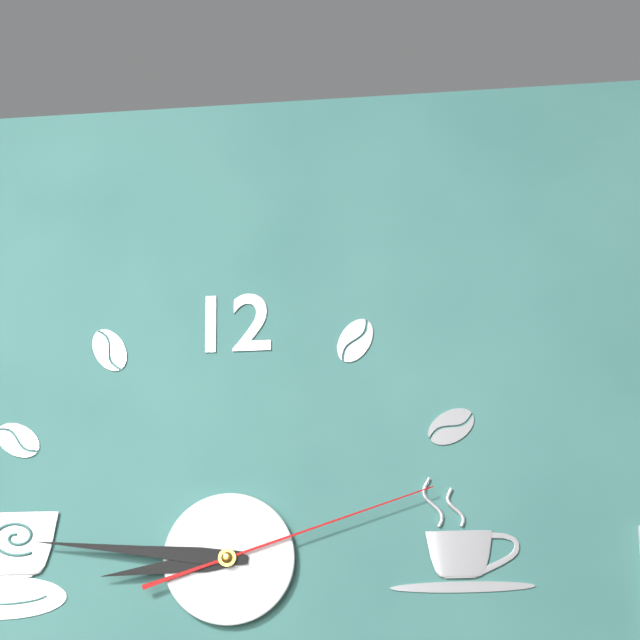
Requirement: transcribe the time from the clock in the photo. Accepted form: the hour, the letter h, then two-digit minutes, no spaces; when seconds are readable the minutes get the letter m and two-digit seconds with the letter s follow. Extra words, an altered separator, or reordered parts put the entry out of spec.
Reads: 8h46m12s
